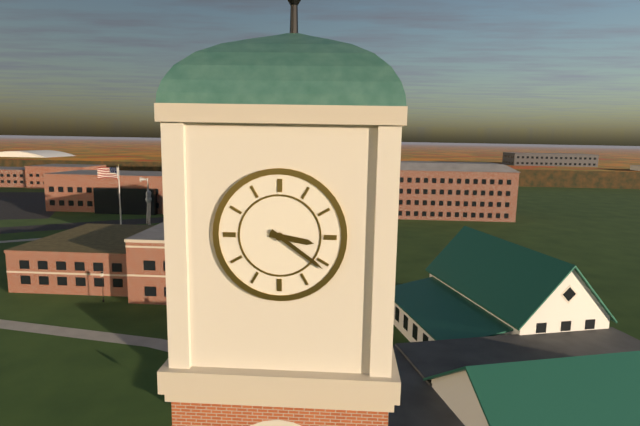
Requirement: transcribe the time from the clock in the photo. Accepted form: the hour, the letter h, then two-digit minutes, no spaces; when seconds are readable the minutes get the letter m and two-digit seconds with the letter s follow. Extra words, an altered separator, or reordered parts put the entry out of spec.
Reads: 3h21
